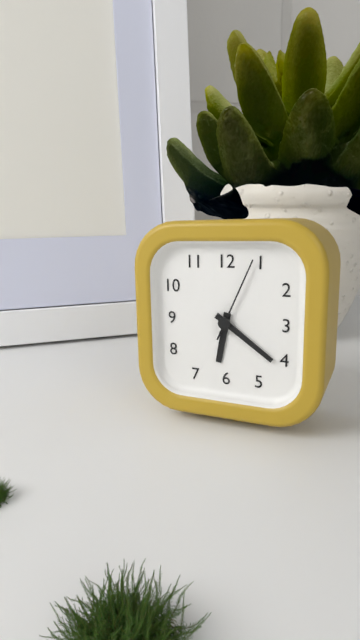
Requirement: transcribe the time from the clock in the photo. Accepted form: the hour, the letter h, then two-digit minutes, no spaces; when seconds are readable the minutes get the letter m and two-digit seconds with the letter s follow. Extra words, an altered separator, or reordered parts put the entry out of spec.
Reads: 6h21m04s
